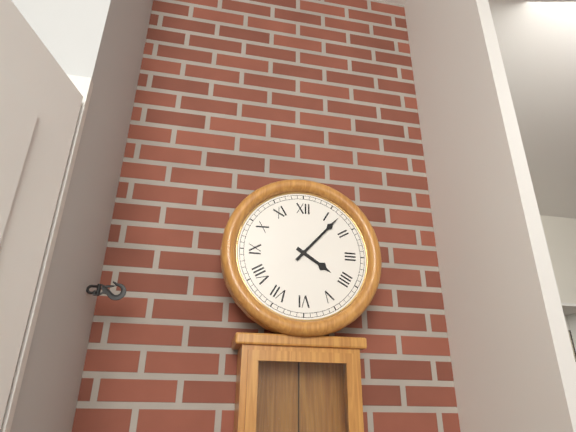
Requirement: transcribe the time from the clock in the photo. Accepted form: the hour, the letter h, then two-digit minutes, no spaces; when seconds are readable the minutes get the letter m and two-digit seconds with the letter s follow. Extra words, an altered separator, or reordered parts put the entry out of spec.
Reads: 4h07
